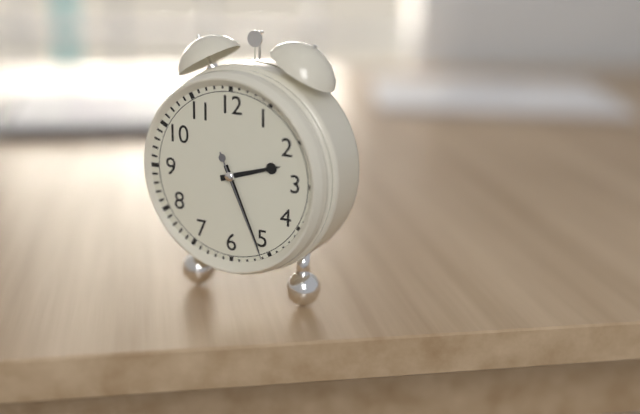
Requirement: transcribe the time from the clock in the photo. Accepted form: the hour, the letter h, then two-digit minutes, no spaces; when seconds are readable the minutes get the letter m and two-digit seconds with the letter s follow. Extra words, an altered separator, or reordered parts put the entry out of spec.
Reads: 2h26m26s
